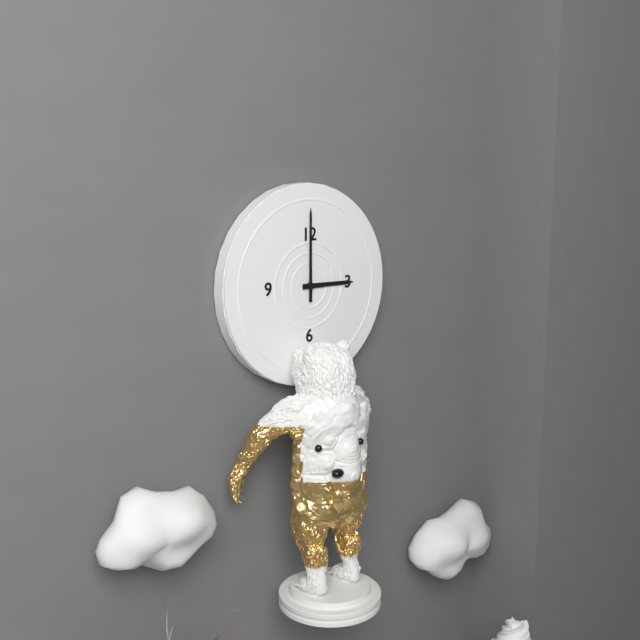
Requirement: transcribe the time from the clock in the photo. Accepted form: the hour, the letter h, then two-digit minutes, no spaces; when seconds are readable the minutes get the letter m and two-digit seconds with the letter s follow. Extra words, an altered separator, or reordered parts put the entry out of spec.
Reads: 3h00
